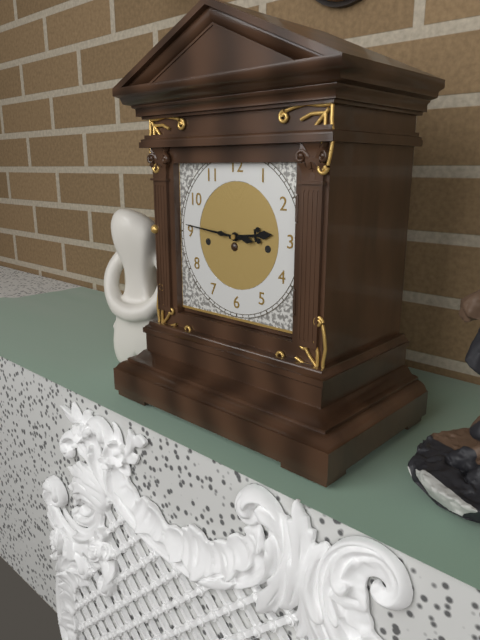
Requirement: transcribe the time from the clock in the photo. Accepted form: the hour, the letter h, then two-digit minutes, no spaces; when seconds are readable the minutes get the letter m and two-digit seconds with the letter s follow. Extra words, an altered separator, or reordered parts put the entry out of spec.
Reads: 2h46
